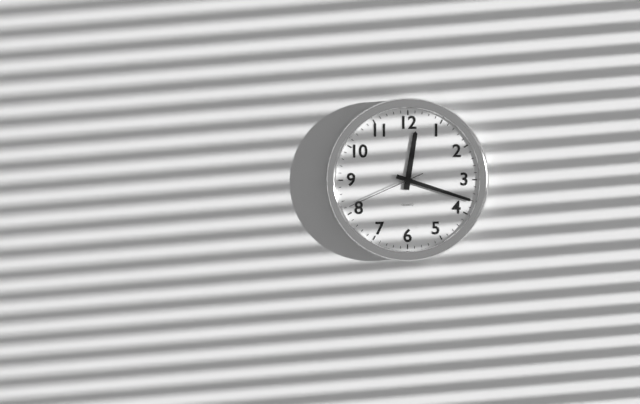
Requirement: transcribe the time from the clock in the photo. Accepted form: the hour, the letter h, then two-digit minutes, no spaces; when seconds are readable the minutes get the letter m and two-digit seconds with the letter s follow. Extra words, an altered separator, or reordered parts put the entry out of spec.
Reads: 12h18m41s
